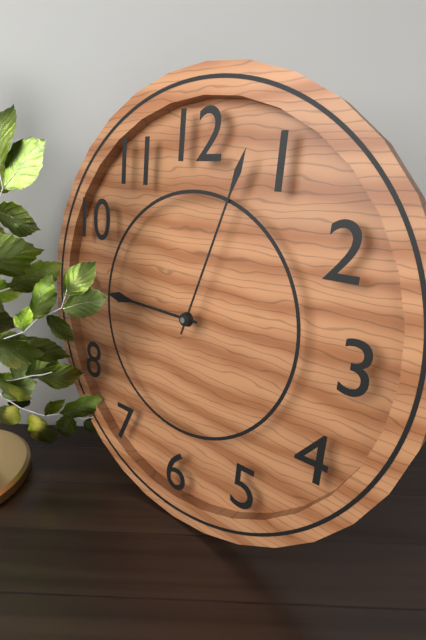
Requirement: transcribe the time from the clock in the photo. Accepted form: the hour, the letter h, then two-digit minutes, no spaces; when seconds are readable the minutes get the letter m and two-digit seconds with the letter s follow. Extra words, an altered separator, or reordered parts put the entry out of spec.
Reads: 9h03
